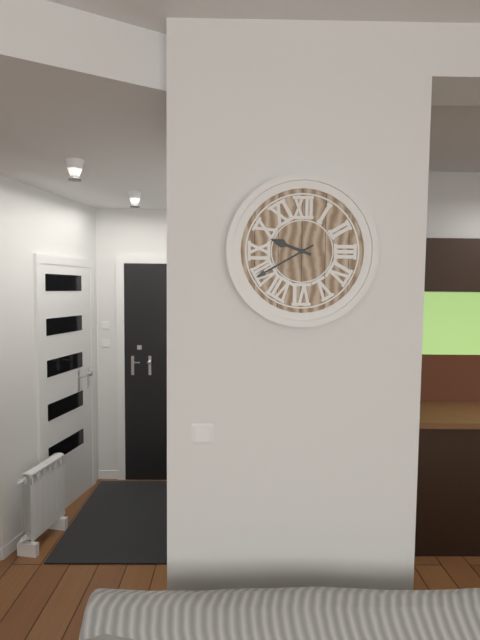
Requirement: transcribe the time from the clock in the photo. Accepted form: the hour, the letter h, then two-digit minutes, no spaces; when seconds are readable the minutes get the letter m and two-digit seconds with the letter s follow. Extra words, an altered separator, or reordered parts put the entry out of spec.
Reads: 9h40
